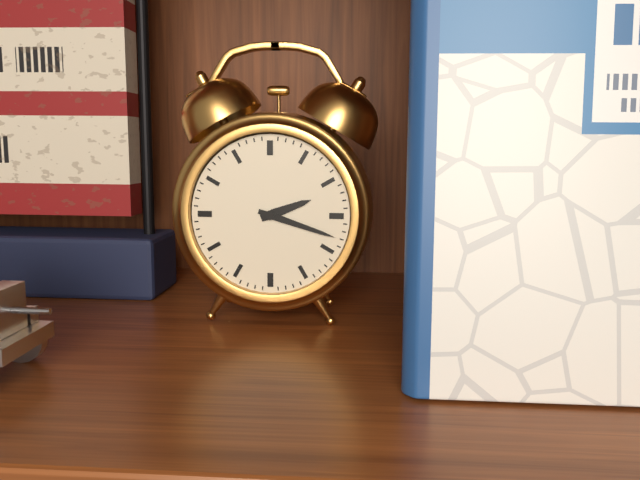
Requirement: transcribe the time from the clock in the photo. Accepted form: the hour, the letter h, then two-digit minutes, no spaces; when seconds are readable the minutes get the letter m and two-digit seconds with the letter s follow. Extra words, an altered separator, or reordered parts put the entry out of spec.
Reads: 2h18
